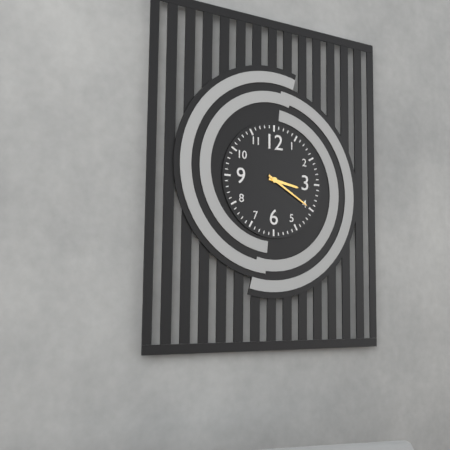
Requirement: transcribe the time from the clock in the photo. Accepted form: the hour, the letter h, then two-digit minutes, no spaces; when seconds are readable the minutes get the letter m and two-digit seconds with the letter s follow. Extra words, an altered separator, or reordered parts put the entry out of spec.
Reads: 3h20
